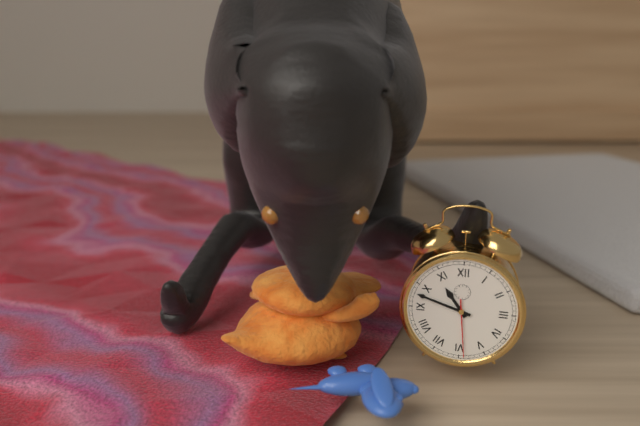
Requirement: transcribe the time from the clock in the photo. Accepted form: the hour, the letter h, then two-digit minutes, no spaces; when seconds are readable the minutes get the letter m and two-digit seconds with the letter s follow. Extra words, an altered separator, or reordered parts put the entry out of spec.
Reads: 10h48m29s
